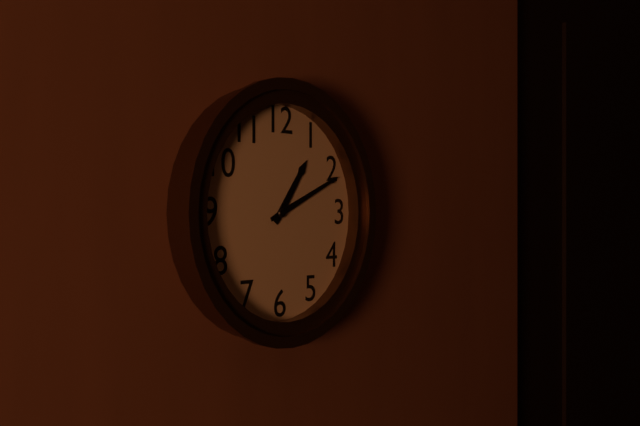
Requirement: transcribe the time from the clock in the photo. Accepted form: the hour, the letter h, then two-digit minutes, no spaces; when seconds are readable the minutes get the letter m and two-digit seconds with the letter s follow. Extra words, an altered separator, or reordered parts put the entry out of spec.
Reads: 1h11
